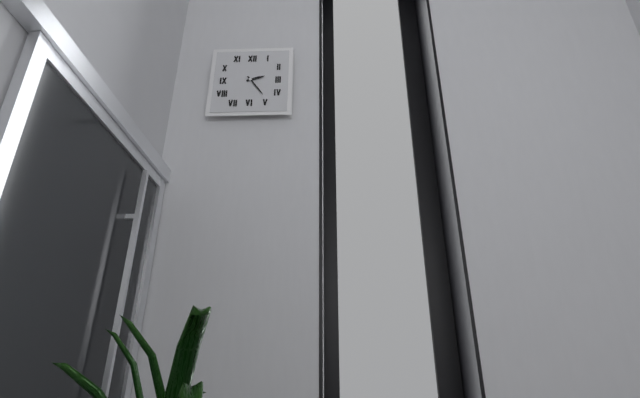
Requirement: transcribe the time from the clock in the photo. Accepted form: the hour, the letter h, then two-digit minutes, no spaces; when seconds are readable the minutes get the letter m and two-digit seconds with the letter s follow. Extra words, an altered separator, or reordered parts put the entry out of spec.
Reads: 2h24
